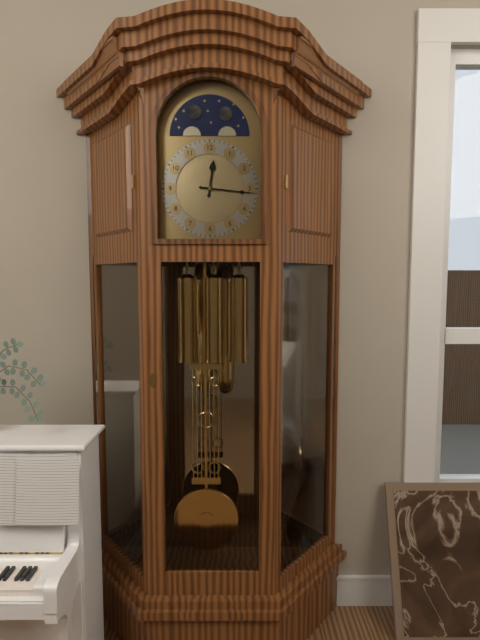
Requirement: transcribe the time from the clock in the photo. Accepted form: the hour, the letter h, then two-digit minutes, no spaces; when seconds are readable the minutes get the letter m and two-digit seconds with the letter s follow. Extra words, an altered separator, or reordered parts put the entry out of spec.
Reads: 12h16
